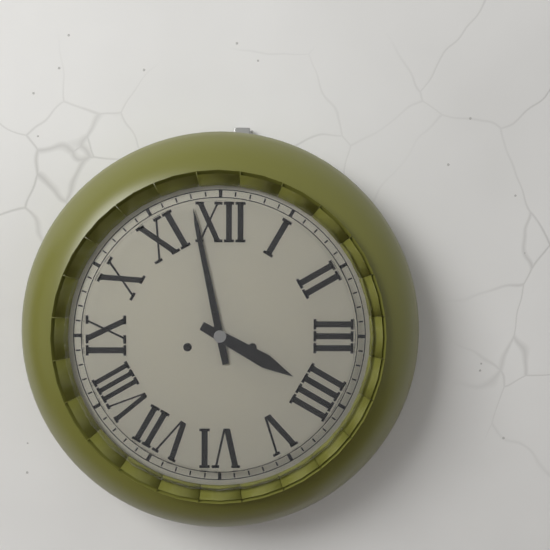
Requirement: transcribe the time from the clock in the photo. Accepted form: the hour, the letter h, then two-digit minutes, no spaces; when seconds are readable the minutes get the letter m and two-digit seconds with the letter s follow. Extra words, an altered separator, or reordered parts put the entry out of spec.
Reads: 3h58
